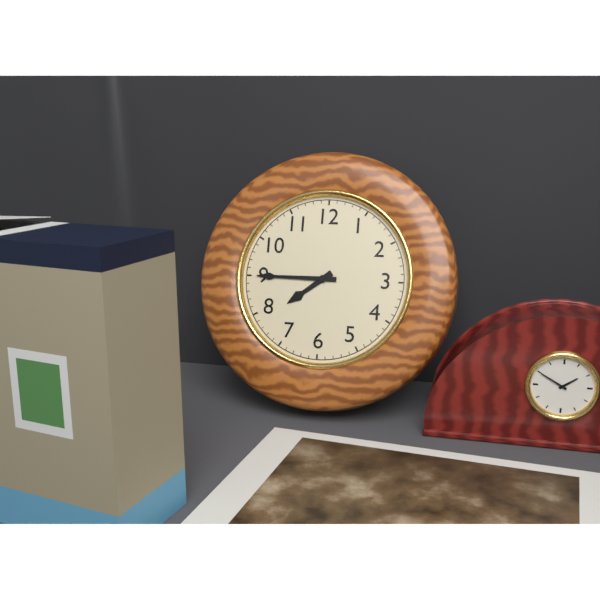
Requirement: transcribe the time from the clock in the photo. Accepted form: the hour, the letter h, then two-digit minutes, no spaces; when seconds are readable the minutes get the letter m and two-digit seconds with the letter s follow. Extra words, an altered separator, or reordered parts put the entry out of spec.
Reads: 7h45
